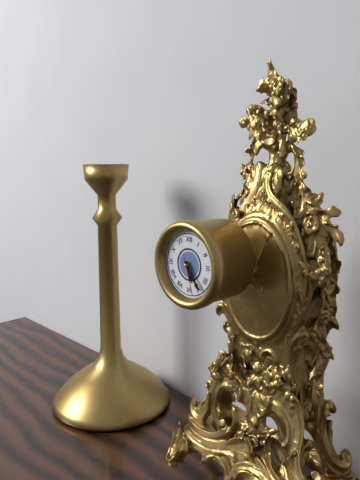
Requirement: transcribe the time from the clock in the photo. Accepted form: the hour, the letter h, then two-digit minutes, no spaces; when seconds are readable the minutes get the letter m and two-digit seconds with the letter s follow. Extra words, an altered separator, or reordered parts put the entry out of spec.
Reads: 5h24
